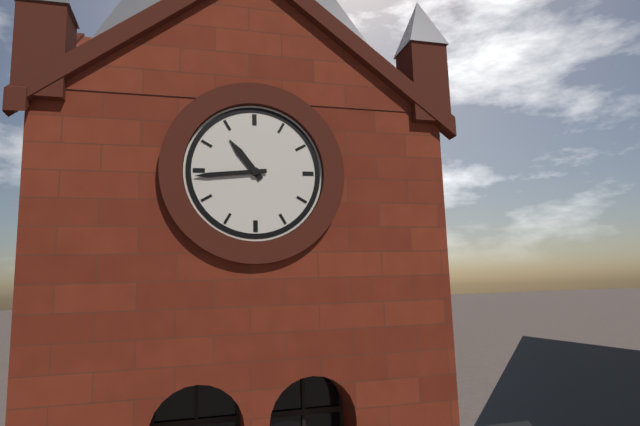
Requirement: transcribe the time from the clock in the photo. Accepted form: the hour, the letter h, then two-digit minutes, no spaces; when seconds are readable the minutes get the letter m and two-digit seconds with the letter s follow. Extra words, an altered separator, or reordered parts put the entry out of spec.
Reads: 10h44
